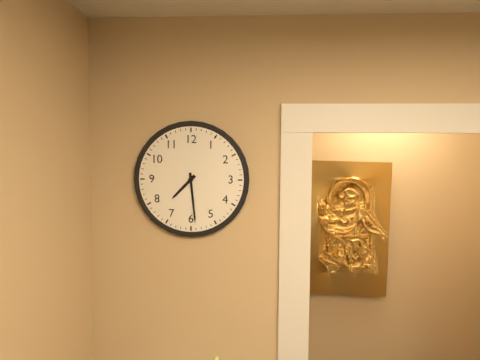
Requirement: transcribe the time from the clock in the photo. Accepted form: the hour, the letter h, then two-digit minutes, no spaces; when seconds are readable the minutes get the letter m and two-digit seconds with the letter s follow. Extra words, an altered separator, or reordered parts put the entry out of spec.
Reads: 7h29
